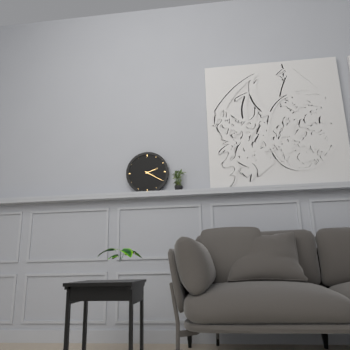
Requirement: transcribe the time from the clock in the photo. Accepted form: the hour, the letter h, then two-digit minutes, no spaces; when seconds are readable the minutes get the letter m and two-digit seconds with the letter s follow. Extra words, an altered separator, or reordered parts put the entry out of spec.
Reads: 2h20
